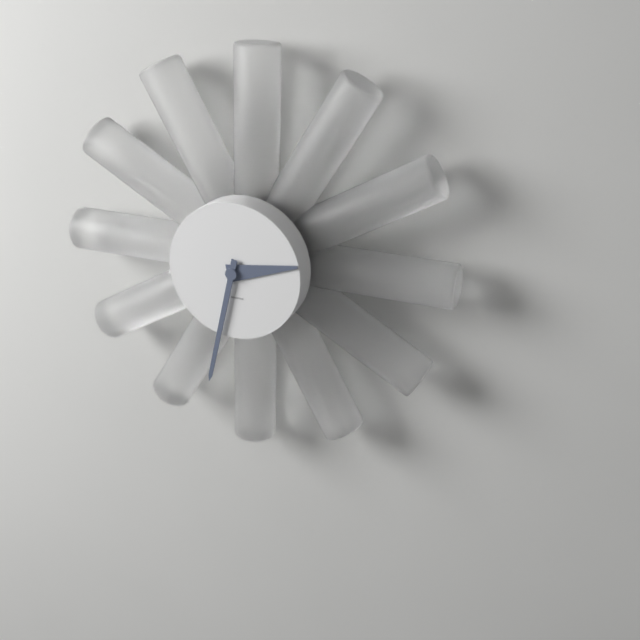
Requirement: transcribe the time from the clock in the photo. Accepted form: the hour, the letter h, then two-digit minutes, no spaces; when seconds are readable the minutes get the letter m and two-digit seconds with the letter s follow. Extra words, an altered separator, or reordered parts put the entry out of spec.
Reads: 2h32
